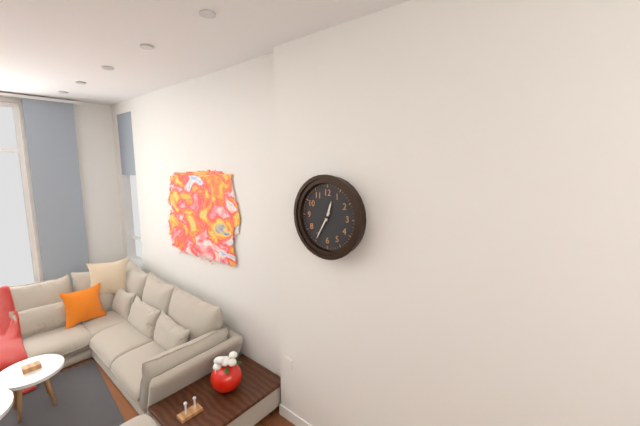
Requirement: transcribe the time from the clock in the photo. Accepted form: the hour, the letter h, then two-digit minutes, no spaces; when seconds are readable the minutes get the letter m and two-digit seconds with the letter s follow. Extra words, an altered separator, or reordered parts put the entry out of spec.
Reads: 12h35
